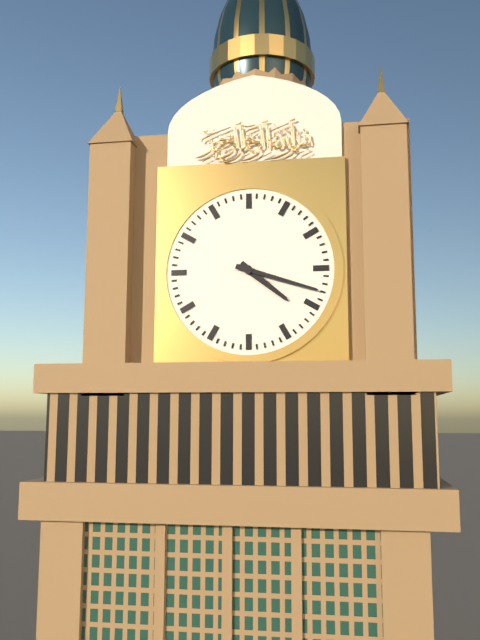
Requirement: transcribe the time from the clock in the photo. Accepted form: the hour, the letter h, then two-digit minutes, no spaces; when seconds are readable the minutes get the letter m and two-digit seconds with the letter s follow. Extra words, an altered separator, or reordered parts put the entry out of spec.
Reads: 4h18
